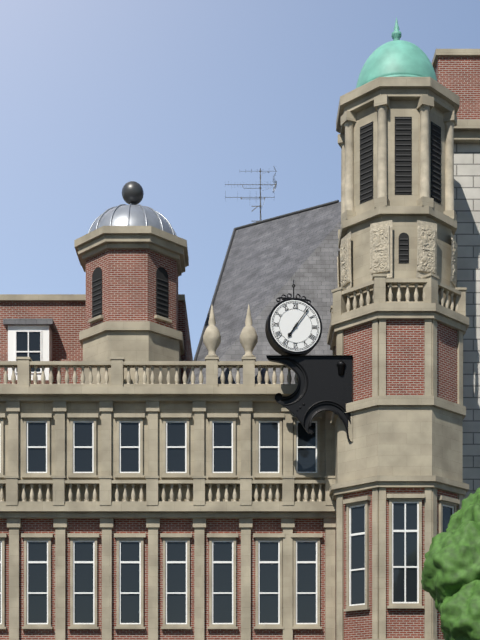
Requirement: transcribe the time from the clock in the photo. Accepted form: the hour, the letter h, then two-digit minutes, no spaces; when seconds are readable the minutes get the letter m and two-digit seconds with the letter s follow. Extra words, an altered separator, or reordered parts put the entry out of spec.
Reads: 7h06
